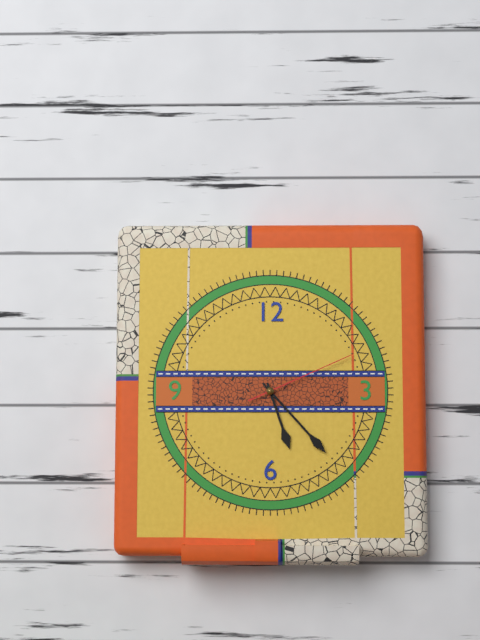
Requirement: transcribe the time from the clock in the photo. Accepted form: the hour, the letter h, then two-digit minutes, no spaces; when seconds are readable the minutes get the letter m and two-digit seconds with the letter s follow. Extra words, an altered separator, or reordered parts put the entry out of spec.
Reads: 5h23m11s
